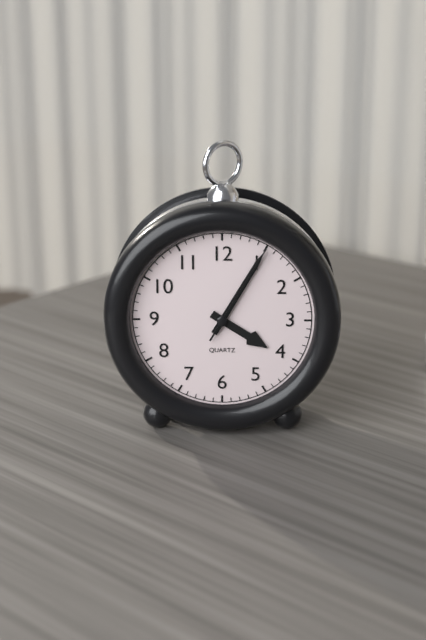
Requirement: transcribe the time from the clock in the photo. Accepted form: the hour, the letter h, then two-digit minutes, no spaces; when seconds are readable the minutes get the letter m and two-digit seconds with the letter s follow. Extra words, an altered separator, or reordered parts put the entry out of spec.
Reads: 4h05m05s
